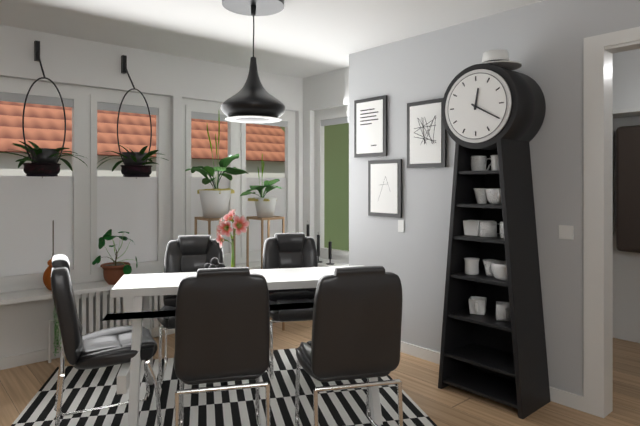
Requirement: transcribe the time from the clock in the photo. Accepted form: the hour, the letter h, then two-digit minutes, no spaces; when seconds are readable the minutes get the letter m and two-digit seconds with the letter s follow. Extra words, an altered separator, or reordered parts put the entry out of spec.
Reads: 12h20
